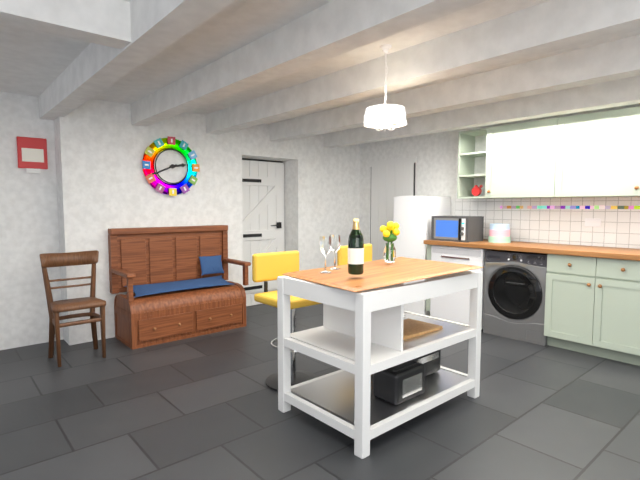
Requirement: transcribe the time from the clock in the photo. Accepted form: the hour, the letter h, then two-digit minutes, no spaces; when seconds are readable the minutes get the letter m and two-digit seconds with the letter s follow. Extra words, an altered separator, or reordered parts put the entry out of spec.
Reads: 2h41
